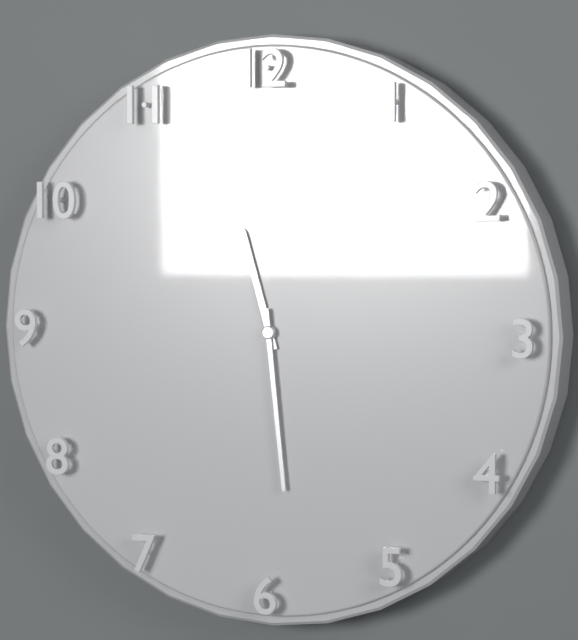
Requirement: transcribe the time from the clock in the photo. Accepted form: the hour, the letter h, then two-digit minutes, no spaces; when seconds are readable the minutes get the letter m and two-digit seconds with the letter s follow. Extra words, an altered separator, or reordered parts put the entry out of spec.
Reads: 11h29
